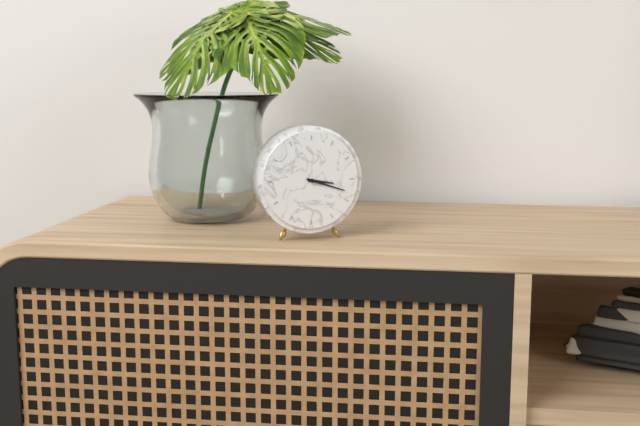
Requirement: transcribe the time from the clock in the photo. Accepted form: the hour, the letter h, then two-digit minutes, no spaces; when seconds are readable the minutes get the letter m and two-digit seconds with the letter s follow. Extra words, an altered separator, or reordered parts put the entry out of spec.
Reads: 3h18
